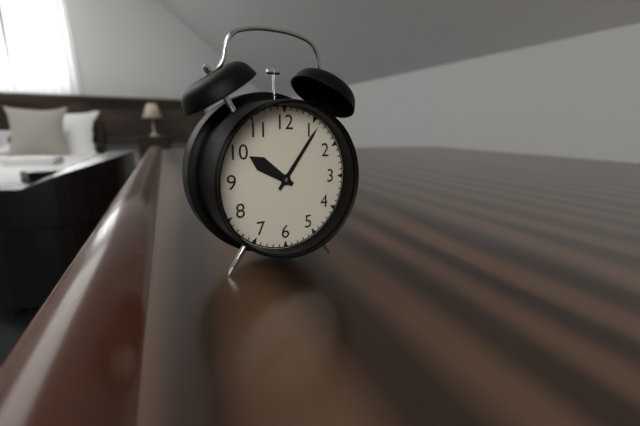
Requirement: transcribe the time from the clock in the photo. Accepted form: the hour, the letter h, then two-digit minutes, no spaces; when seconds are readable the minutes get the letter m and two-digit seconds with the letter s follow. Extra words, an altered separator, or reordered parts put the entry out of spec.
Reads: 10h06
